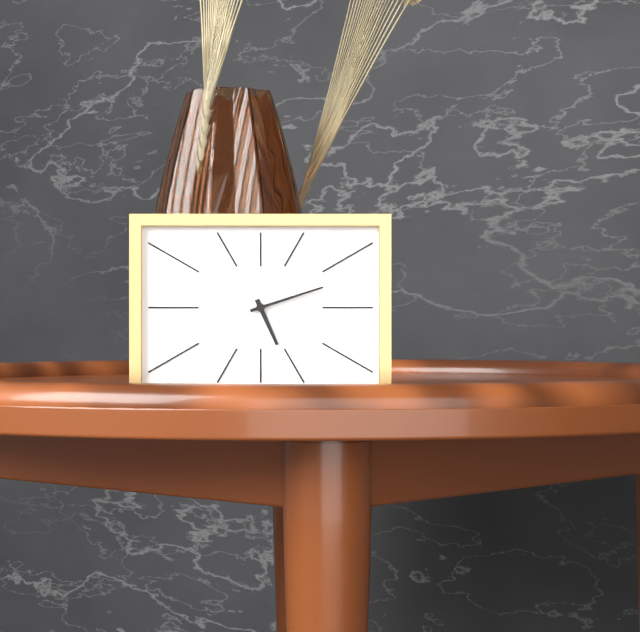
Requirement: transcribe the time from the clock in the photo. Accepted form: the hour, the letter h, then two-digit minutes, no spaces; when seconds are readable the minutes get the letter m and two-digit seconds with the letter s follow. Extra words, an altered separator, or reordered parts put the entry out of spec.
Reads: 5h12
